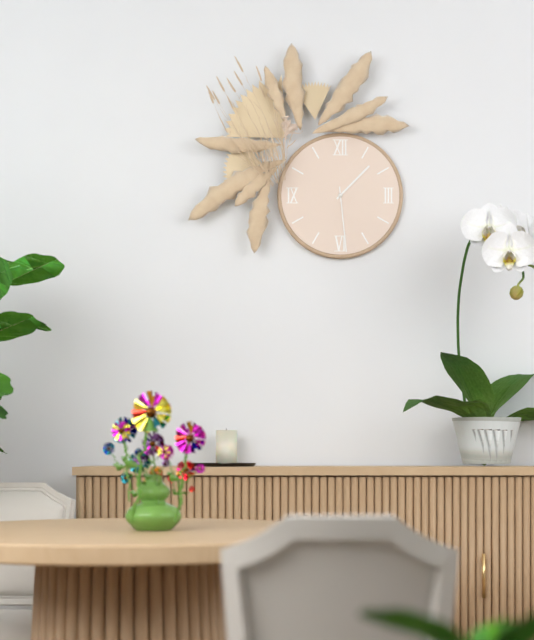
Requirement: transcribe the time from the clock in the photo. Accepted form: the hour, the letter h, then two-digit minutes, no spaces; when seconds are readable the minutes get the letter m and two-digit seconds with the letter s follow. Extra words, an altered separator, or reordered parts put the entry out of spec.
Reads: 1h29
